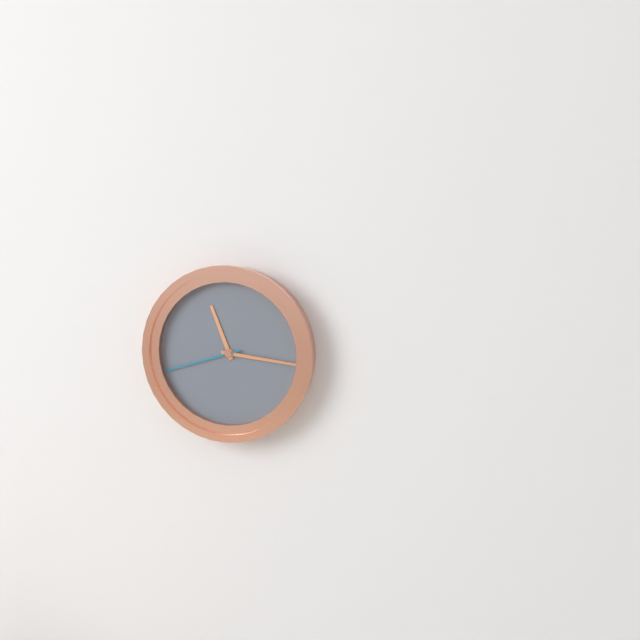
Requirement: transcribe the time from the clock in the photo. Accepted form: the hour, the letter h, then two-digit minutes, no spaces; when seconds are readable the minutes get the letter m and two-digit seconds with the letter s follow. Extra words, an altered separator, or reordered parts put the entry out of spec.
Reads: 11h16m42s
